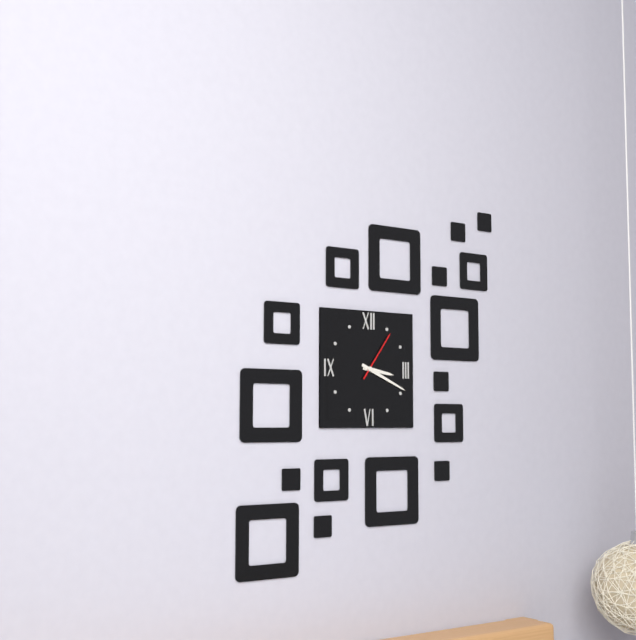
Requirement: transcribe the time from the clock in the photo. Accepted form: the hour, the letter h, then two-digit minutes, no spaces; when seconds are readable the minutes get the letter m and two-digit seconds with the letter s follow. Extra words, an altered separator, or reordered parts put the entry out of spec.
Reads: 3h19m06s
